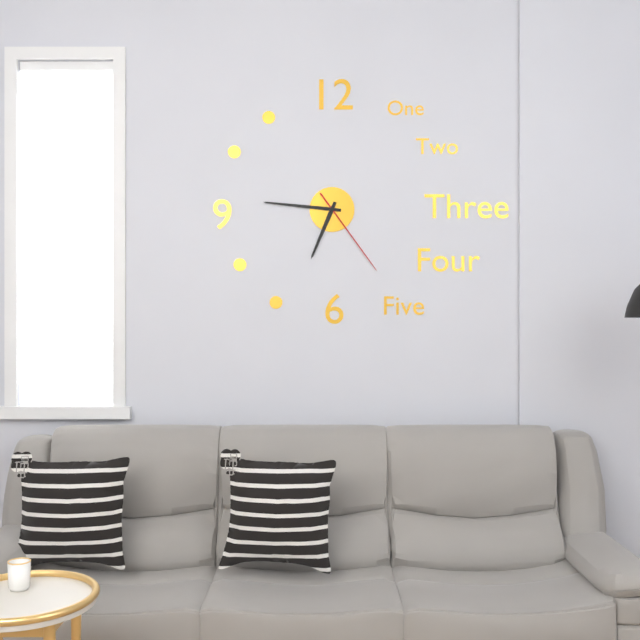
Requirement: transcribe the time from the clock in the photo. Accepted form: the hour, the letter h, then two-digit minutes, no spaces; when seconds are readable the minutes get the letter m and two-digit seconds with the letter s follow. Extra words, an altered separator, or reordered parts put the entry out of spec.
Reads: 6h46m24s
